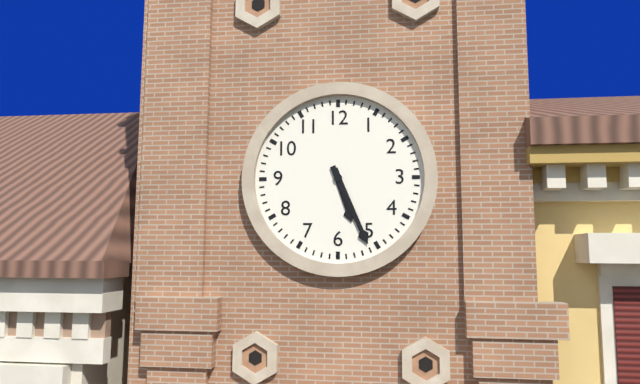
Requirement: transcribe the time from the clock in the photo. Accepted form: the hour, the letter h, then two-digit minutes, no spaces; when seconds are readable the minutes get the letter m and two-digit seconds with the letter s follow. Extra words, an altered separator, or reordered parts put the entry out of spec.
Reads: 5h26
